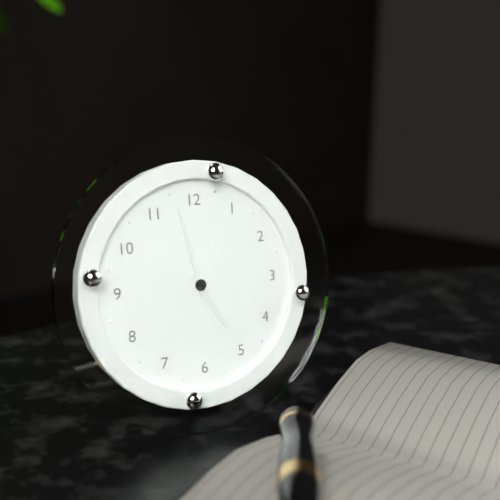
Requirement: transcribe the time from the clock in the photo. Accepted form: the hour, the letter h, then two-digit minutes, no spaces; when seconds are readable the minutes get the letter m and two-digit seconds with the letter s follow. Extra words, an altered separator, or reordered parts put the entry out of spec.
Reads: 4h58
